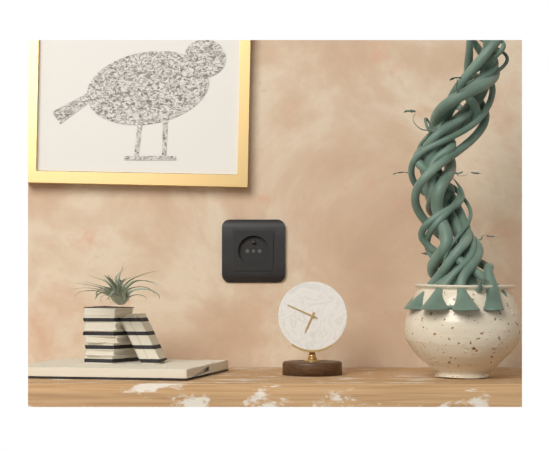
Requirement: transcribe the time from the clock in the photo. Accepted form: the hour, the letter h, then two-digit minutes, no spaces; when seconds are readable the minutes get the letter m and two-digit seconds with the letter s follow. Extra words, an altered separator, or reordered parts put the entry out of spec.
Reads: 6h49
